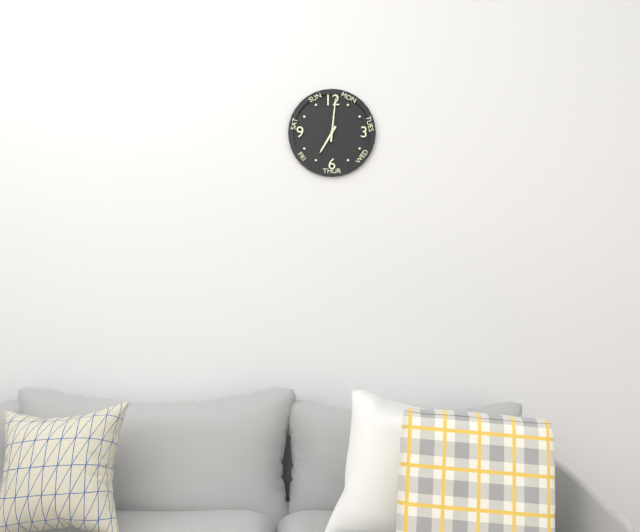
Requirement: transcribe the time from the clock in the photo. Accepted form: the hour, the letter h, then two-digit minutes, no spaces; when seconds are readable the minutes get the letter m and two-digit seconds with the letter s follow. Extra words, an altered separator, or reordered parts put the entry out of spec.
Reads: 7h01
